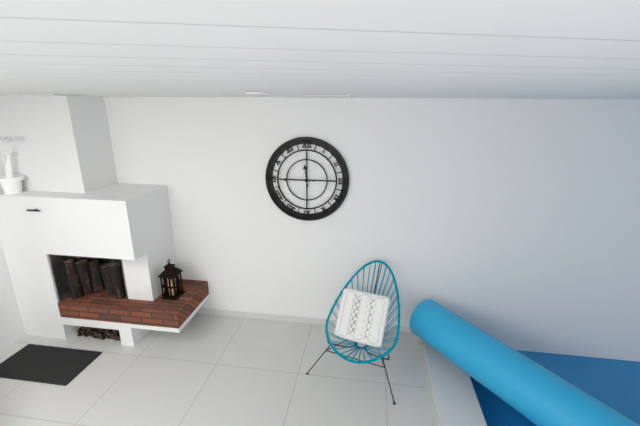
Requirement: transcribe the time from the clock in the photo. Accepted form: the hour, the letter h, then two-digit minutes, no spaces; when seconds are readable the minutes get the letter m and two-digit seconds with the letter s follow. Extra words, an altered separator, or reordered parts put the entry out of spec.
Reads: 11h45
